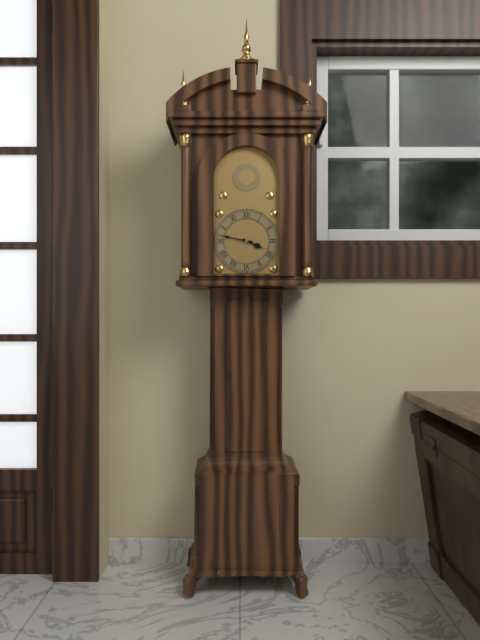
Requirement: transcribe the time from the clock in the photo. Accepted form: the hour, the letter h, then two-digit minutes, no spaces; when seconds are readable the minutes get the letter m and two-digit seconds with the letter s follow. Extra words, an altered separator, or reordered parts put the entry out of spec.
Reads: 3h47
